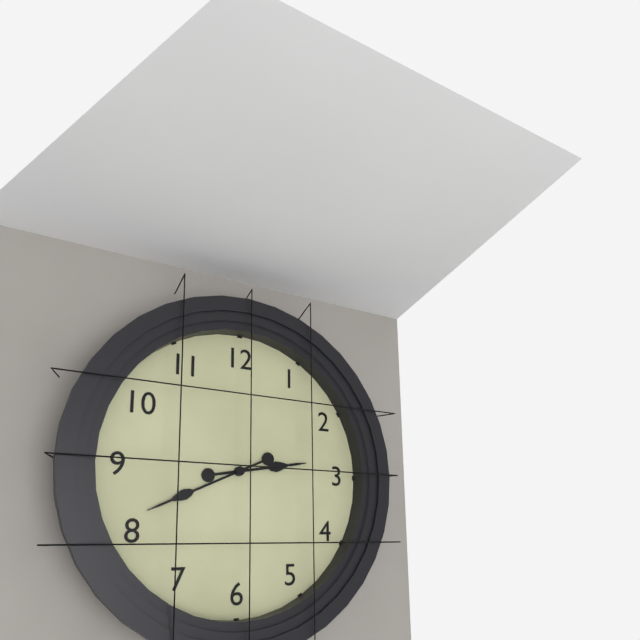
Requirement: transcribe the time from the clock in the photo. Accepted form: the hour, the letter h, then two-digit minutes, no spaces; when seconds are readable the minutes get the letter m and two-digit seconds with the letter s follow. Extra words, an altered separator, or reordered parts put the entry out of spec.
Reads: 2h41
